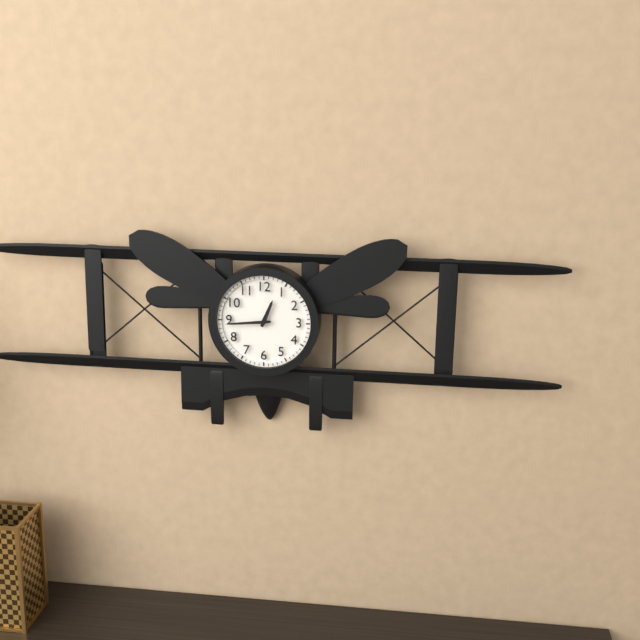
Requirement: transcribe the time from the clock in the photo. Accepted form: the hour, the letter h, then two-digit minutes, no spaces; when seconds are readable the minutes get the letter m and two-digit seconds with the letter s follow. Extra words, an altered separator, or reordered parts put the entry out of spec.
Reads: 12h44
